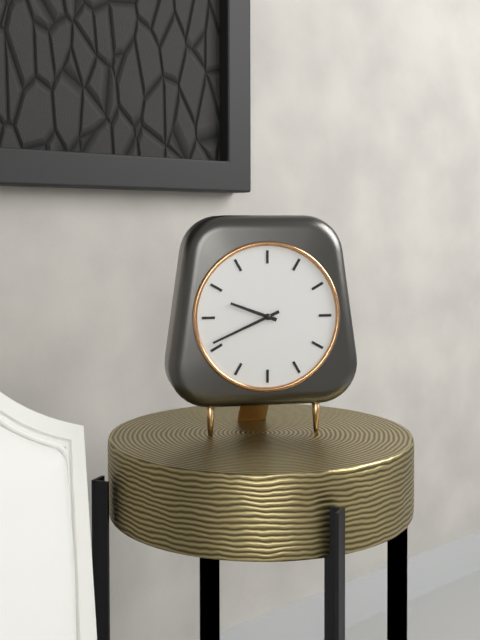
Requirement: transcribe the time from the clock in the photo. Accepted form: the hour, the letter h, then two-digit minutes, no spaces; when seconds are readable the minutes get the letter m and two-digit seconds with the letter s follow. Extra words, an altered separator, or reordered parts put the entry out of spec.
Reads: 9h41
